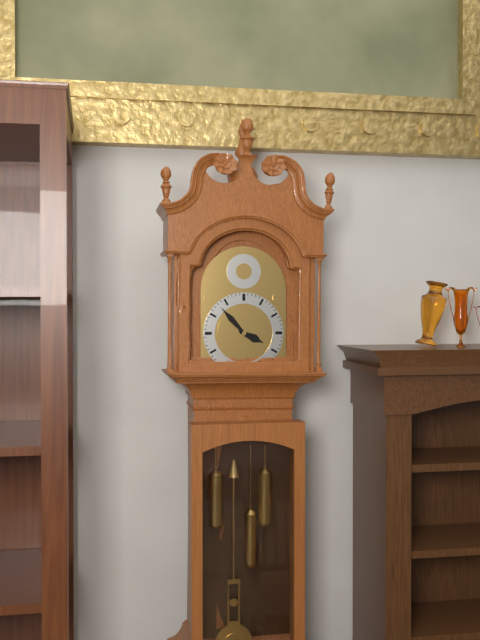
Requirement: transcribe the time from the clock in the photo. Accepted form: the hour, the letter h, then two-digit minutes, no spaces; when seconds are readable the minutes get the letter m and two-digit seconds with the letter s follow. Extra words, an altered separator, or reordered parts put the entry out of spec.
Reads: 3h53
